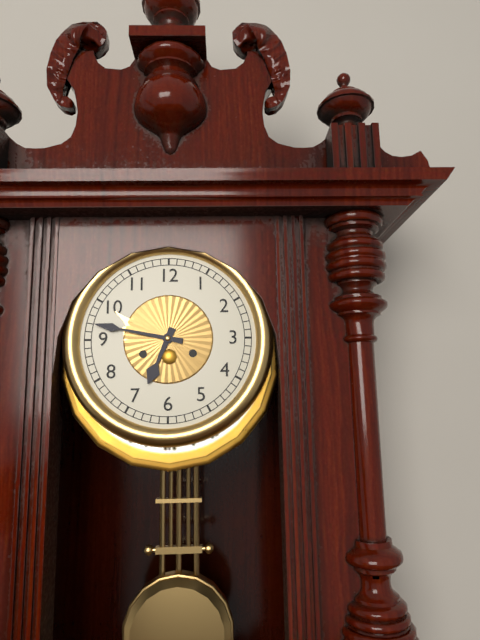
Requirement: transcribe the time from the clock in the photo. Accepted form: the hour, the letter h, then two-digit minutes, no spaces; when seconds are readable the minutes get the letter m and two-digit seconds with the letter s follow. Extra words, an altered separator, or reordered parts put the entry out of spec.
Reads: 6h47
